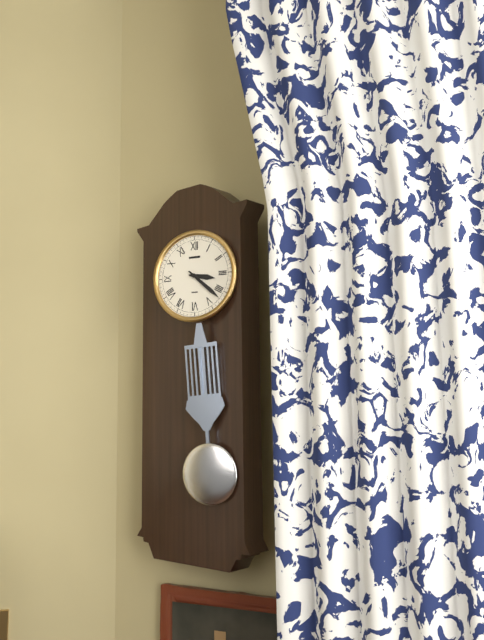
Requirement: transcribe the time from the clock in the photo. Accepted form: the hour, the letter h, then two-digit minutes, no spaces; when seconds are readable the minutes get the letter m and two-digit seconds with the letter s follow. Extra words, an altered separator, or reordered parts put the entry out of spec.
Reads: 3h22
